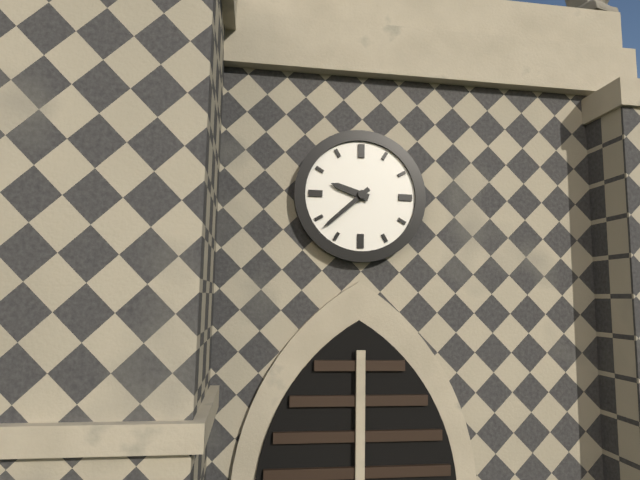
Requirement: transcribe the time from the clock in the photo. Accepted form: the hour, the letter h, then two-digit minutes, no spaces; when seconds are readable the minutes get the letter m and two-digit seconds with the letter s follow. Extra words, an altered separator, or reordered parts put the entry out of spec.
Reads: 9h38
